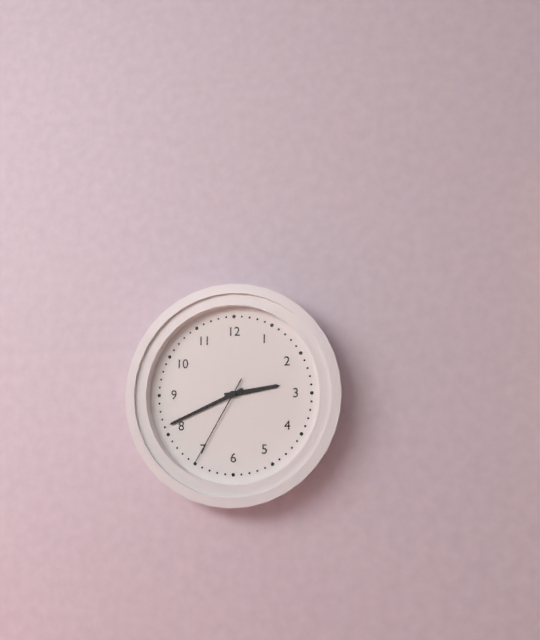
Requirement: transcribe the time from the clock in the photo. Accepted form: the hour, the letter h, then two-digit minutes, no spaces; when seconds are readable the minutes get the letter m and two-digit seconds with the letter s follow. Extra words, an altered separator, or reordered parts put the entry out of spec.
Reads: 2h41m35s
